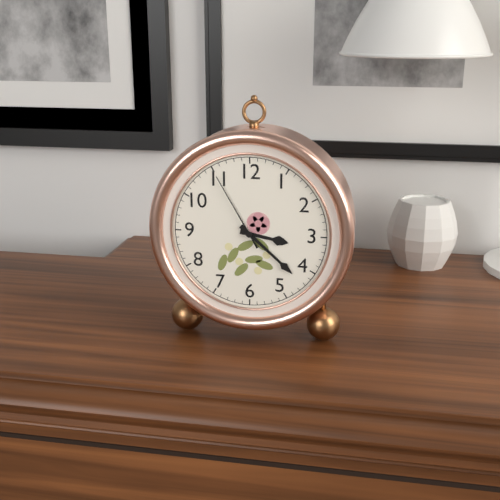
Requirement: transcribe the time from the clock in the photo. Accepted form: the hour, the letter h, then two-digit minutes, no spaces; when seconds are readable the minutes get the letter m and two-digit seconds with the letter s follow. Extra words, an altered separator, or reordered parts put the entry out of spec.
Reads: 3h22m55s
